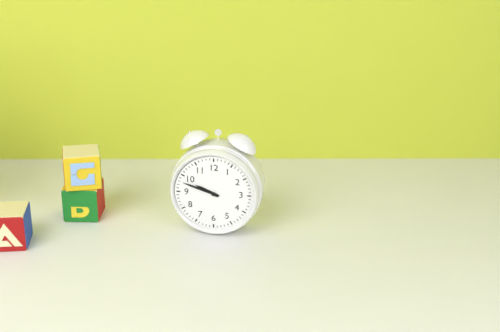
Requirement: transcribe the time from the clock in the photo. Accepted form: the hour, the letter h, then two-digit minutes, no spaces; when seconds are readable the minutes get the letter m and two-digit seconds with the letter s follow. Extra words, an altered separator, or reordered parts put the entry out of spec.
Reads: 9h48
